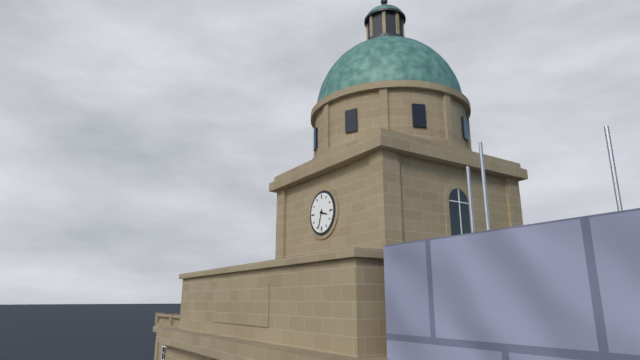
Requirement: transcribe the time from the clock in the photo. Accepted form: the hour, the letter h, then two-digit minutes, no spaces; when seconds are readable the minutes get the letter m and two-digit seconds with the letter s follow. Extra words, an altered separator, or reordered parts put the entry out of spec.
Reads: 3h33
